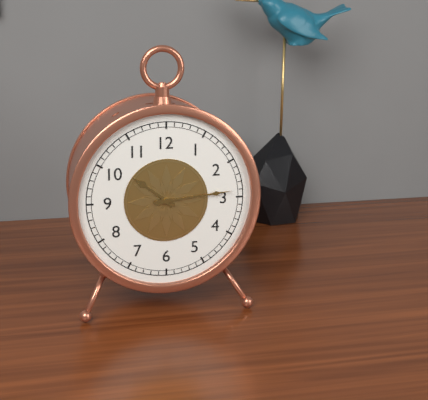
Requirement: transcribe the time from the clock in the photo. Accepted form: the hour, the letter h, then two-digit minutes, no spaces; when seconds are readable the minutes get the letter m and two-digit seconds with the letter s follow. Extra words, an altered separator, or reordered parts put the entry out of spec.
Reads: 10h14
